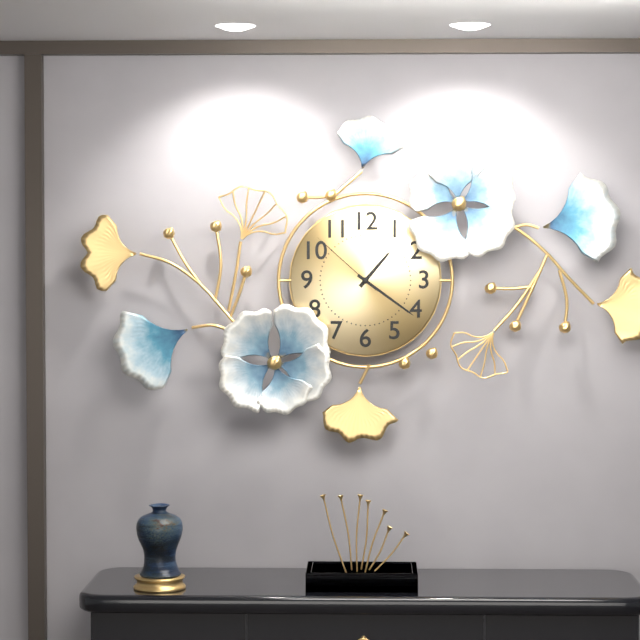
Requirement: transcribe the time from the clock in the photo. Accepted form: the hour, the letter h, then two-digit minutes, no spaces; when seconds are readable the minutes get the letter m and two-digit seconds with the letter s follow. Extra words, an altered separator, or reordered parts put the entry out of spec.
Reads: 1h21m52s
